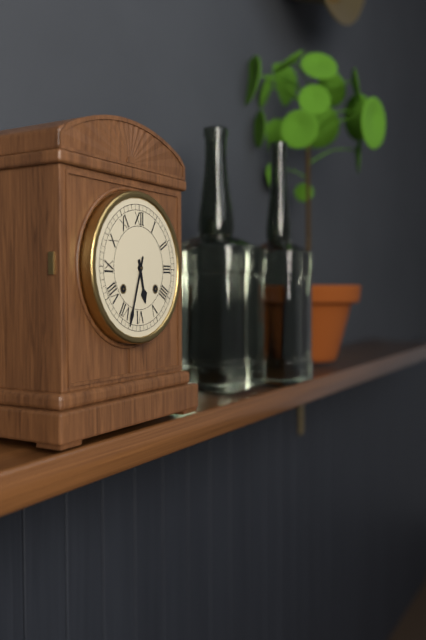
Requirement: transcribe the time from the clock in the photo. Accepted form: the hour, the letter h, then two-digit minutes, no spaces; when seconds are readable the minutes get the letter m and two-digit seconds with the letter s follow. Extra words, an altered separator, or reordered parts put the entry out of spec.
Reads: 5h33
